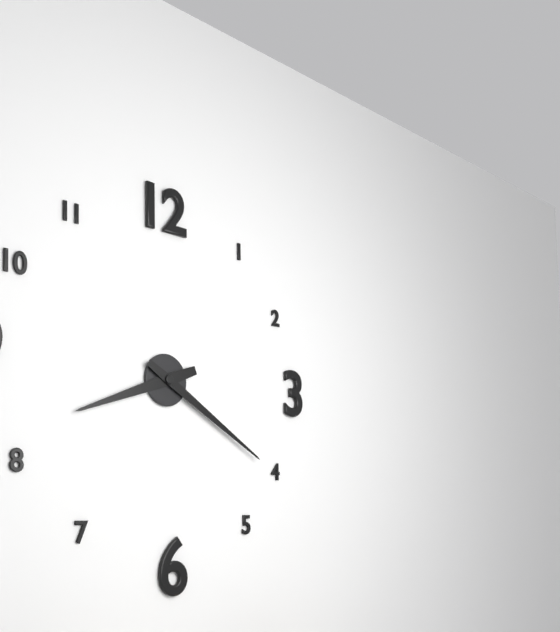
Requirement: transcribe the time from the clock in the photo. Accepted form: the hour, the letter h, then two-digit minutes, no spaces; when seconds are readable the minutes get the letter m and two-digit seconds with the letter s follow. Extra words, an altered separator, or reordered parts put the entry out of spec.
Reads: 8h20
